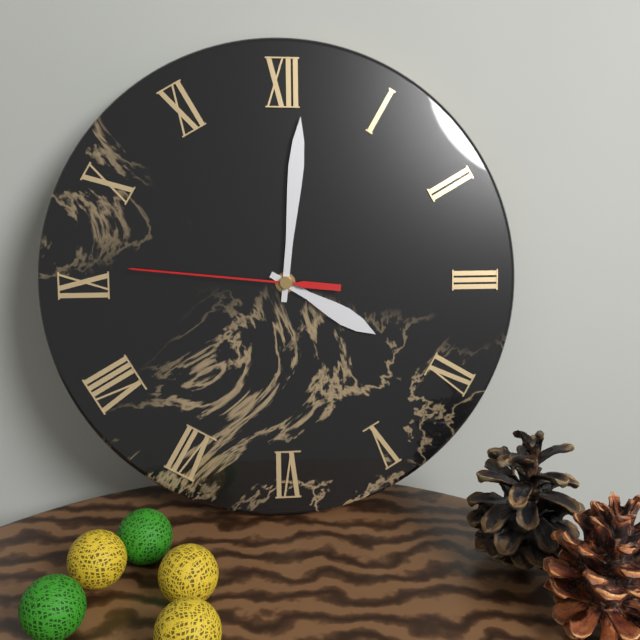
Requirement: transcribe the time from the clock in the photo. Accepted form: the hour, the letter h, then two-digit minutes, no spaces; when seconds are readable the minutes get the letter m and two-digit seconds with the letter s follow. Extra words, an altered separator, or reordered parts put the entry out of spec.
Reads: 4h01m46s
